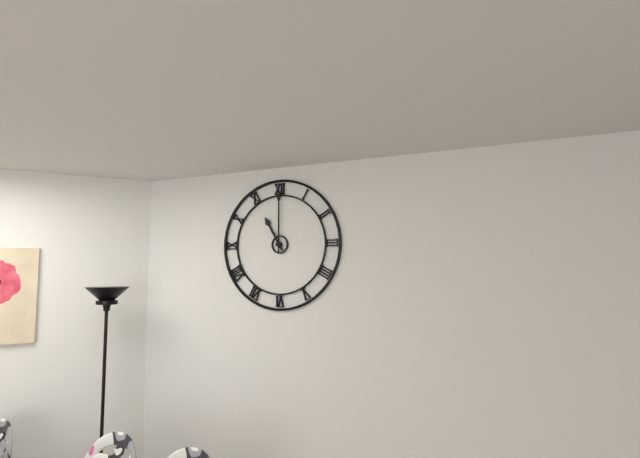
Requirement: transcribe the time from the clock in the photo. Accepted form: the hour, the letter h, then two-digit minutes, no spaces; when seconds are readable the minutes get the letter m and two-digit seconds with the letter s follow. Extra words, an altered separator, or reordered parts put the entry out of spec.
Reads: 11h00
